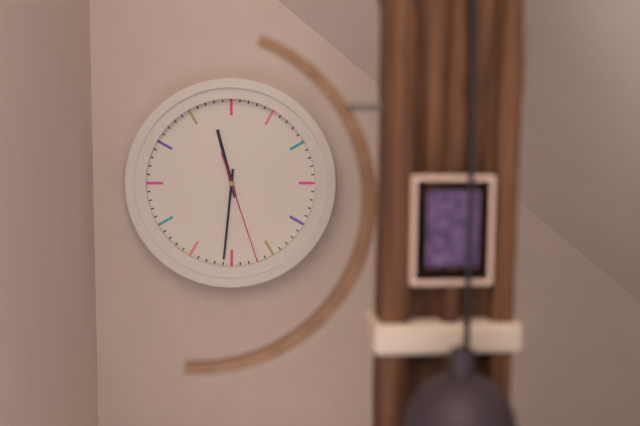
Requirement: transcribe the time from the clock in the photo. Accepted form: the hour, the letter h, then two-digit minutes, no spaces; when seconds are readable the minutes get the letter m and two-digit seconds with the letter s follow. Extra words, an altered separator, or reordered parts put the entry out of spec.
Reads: 11h31m27s
